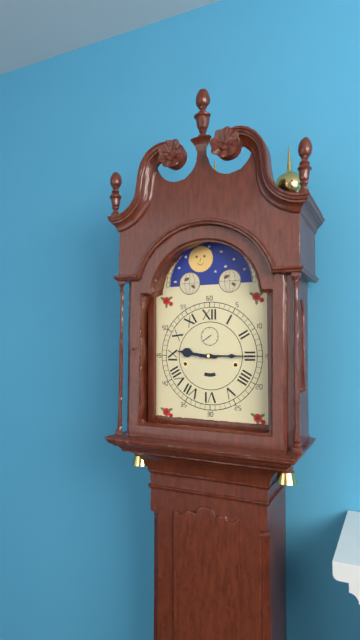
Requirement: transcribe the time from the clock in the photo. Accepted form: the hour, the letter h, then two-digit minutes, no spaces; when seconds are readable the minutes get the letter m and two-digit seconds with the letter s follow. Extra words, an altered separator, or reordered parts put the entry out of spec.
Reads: 9h15
